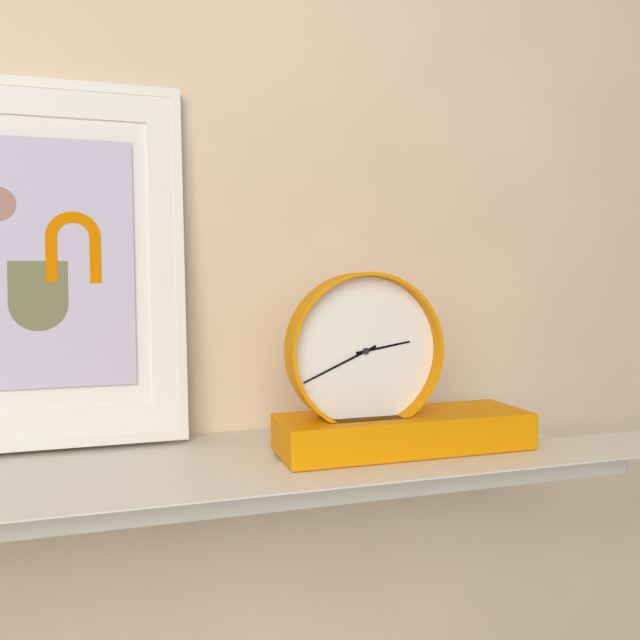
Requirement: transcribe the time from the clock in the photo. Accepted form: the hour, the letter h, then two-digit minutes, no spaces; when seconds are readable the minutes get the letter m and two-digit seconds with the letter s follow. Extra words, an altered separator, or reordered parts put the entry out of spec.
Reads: 2h41
